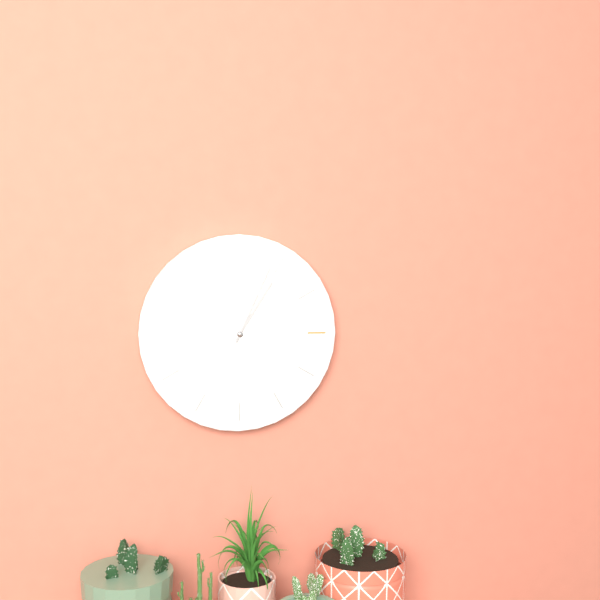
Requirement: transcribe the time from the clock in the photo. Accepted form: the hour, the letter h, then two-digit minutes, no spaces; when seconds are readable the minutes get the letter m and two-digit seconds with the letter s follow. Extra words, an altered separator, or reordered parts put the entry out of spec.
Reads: 1h04
